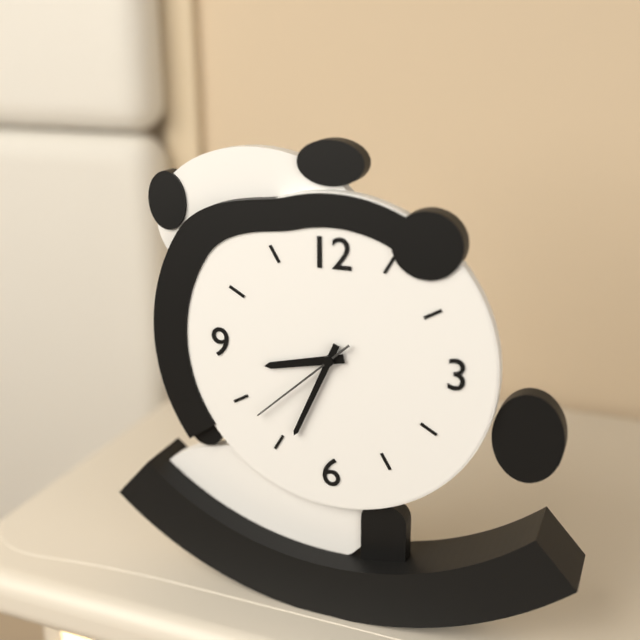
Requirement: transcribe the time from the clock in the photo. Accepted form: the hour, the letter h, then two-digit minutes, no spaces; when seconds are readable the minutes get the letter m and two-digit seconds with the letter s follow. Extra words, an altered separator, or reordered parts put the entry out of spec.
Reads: 8h34m38s
